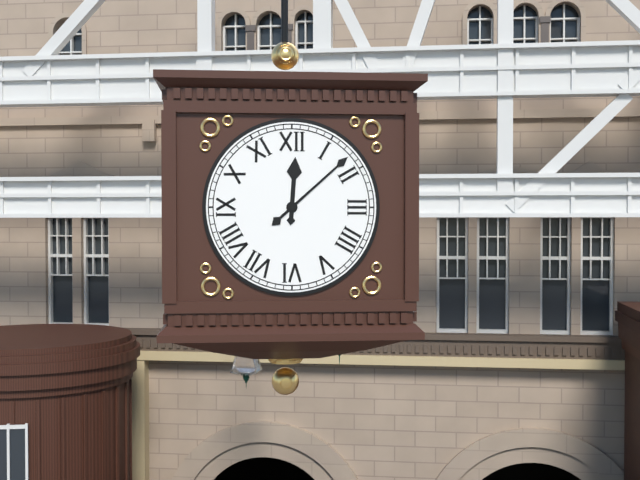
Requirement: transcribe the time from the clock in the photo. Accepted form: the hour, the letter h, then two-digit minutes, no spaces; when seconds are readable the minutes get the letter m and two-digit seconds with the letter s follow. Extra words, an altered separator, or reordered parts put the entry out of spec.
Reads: 12h08
